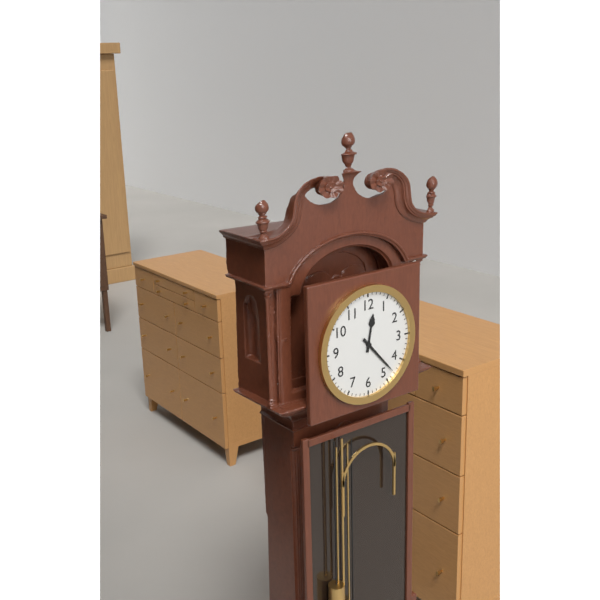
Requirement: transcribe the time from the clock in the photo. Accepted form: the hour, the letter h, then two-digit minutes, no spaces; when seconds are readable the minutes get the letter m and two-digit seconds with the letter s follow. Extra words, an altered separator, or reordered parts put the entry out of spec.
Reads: 12h23
